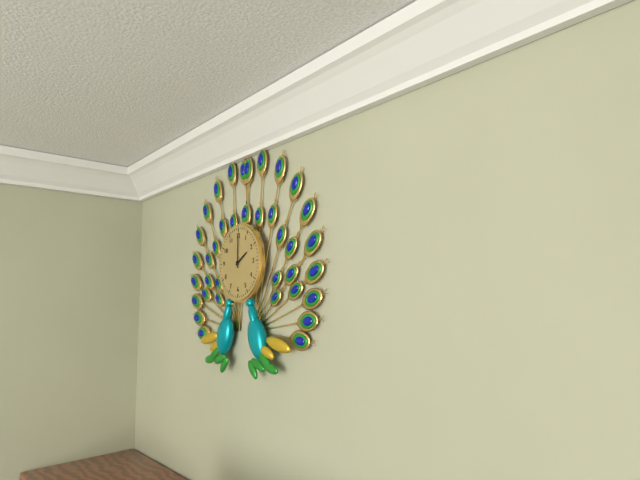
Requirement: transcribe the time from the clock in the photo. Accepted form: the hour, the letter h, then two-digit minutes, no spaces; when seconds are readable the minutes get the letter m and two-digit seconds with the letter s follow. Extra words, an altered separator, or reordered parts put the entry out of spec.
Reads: 2h00
